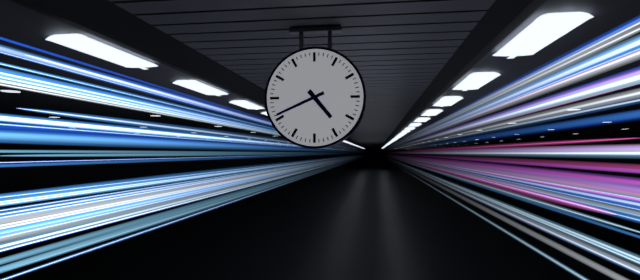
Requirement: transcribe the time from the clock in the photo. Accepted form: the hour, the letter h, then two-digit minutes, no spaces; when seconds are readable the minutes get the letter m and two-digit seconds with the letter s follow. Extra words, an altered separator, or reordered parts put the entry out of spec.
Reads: 4h41
